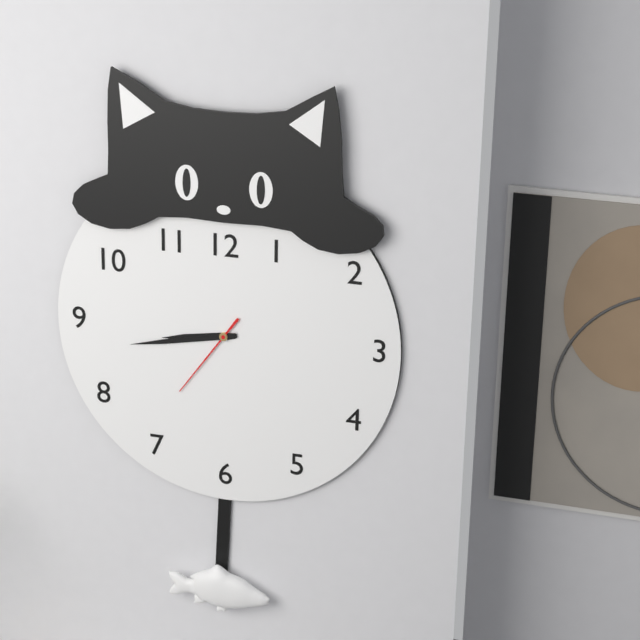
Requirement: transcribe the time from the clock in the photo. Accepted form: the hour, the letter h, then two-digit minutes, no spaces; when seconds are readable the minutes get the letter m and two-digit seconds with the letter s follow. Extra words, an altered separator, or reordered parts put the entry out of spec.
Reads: 8h43m36s
